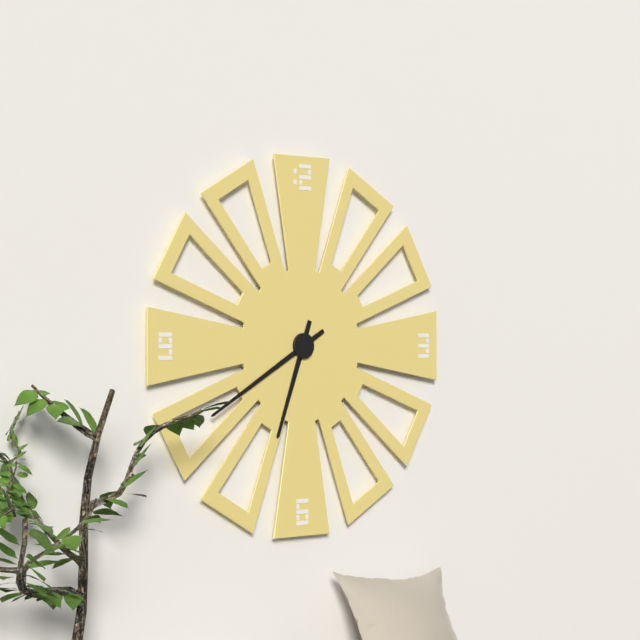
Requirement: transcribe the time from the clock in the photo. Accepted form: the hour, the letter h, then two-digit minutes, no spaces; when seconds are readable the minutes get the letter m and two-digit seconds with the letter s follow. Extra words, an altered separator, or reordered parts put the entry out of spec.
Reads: 6h40
